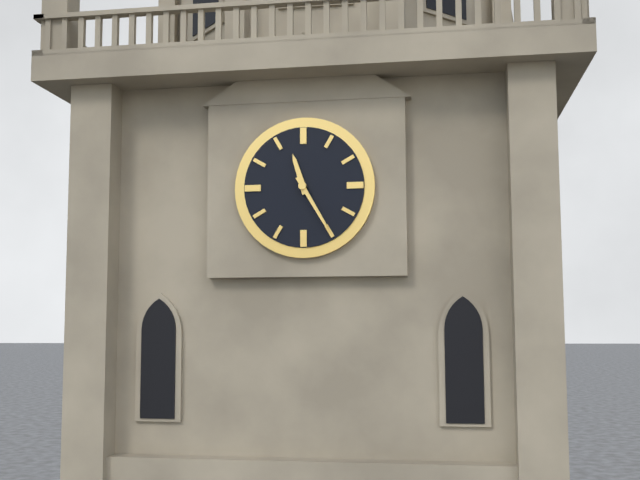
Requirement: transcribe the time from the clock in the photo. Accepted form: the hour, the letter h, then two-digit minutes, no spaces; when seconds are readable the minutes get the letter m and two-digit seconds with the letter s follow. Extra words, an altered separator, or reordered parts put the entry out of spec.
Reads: 11h25
